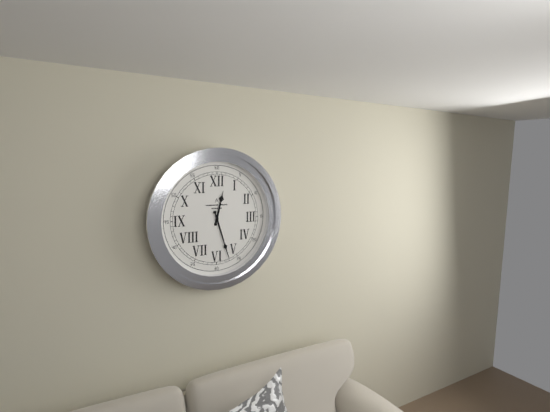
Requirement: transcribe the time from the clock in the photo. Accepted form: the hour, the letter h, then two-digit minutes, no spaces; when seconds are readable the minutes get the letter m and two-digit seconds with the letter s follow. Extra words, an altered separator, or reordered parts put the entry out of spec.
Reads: 12h27
